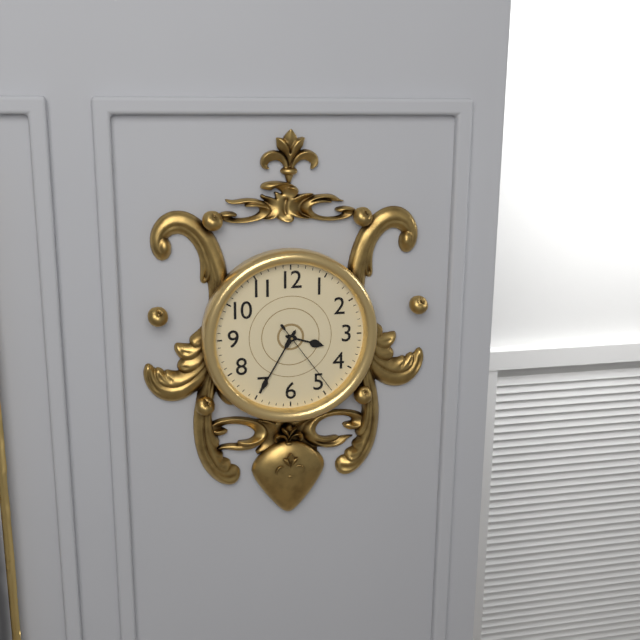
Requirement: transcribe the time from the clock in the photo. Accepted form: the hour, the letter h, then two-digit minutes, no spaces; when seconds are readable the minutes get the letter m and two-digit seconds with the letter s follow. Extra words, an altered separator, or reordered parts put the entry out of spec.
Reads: 3h35m24s
